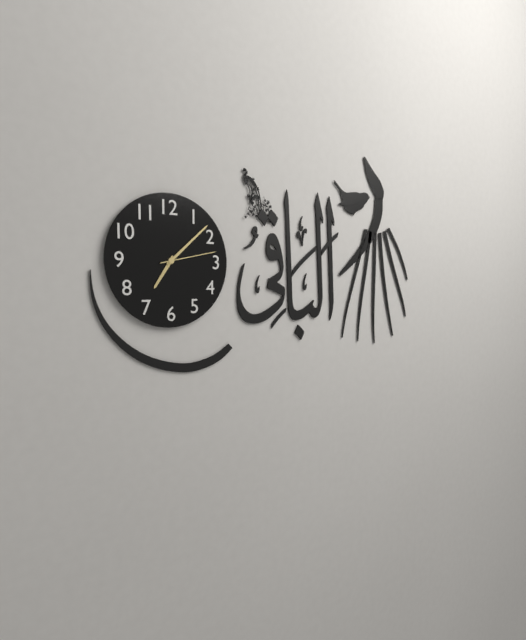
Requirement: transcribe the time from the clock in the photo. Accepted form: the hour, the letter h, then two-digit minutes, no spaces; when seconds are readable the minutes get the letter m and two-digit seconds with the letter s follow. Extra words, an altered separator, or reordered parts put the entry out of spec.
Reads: 7h08m13s
